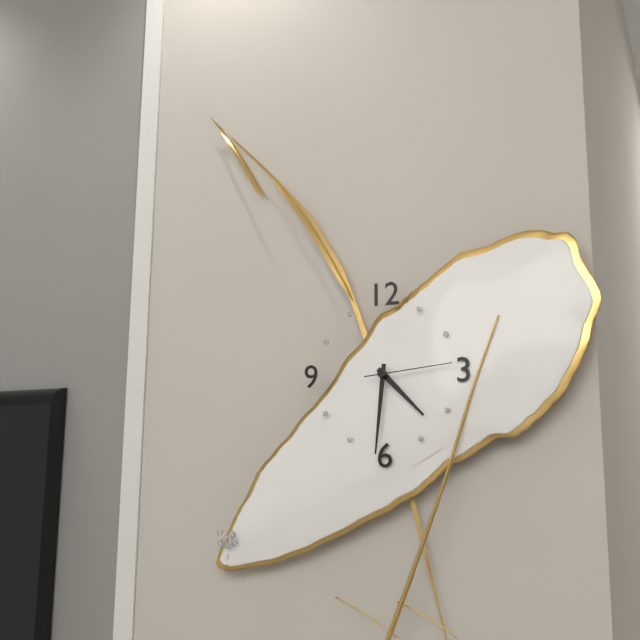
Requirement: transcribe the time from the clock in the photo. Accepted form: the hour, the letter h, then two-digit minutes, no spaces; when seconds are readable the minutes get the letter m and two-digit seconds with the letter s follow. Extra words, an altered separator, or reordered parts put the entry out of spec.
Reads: 4h31m14s
